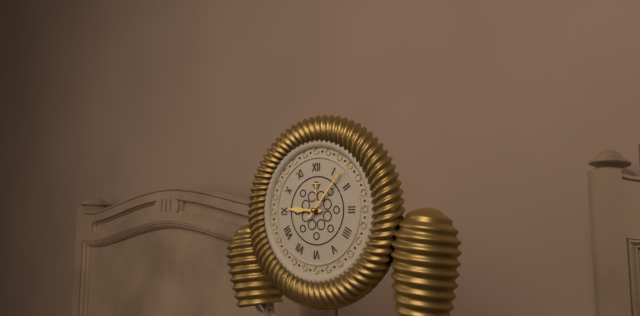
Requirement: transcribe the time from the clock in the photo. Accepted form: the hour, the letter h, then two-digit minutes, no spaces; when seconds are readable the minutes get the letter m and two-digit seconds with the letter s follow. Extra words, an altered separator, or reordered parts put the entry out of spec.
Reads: 9h07
